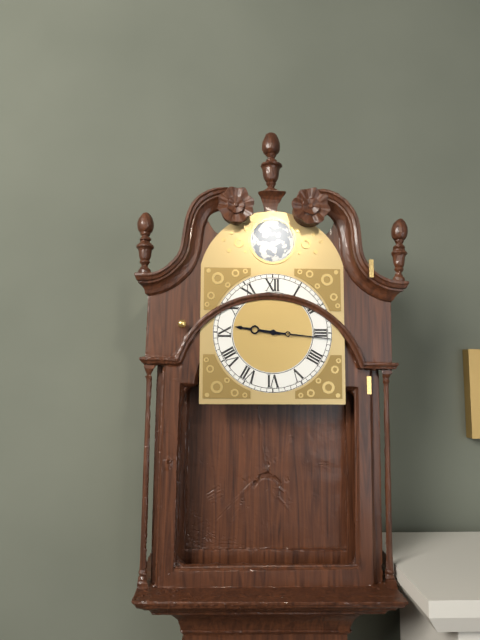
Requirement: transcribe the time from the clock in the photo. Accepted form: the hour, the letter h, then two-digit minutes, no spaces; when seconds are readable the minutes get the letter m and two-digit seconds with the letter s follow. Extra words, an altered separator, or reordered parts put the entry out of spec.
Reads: 9h16
